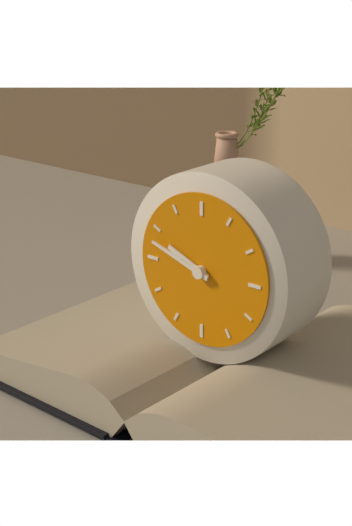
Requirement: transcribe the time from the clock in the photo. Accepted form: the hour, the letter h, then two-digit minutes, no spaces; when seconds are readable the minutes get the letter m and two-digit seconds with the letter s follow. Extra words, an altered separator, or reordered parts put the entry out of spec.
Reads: 9h48
